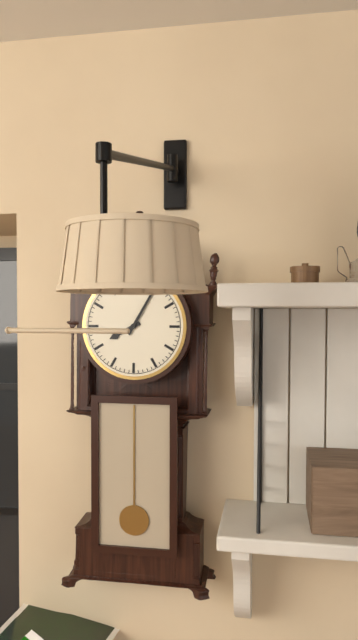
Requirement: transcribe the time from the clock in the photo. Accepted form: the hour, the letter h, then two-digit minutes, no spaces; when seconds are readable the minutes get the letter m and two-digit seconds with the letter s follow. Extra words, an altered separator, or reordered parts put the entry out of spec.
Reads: 8h05
